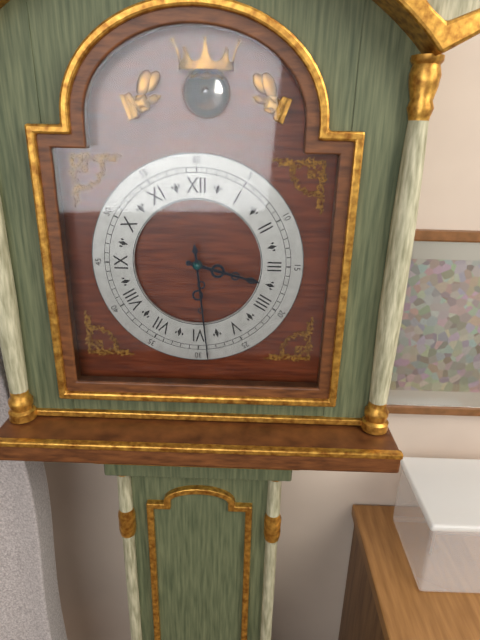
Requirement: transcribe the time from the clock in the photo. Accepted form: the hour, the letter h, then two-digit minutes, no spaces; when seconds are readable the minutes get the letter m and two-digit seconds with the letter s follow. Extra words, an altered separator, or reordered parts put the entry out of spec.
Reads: 3h29
